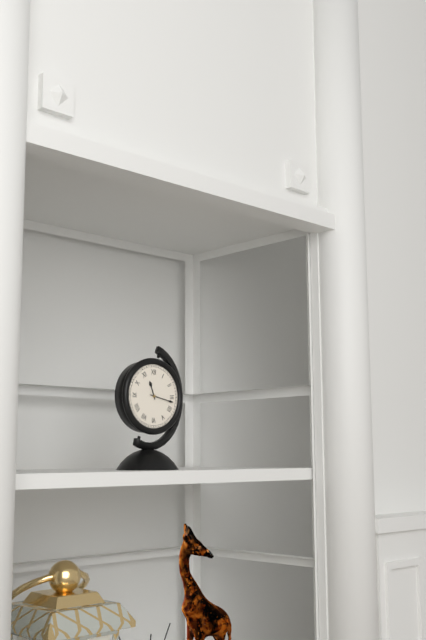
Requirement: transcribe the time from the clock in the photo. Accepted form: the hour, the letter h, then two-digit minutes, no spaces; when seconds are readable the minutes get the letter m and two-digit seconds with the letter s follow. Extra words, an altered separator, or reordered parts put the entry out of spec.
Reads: 11h17
